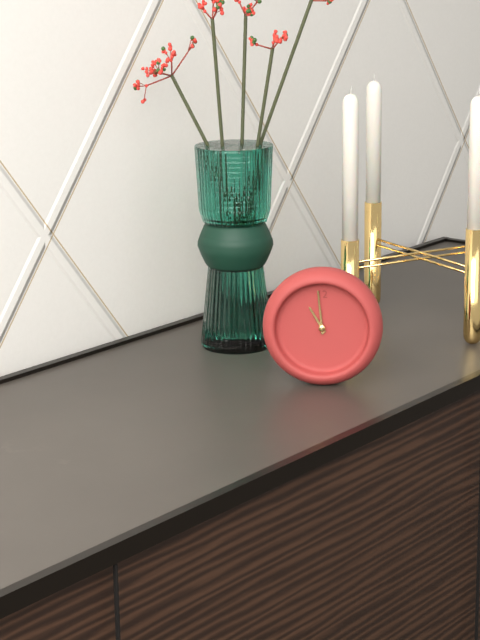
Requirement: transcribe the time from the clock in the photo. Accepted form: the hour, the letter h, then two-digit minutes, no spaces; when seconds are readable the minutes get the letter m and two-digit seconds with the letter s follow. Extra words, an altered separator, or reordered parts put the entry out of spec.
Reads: 10h59
